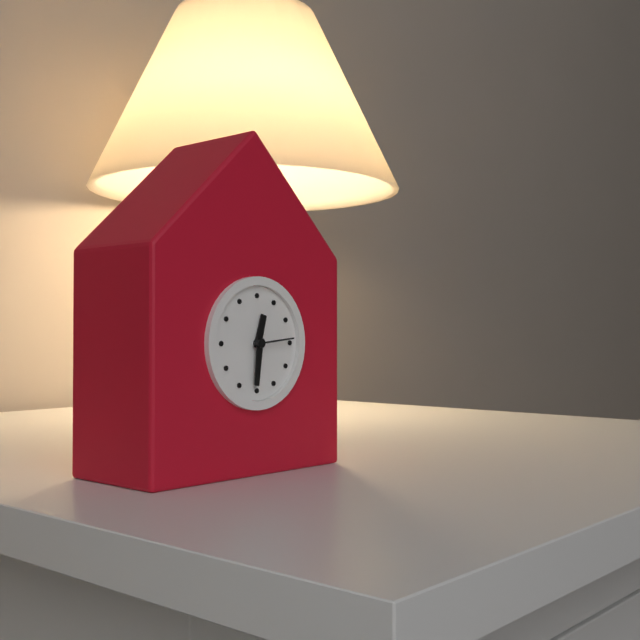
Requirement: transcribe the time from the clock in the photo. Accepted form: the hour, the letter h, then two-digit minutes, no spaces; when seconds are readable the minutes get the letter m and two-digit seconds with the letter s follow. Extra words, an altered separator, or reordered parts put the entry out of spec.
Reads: 12h31
